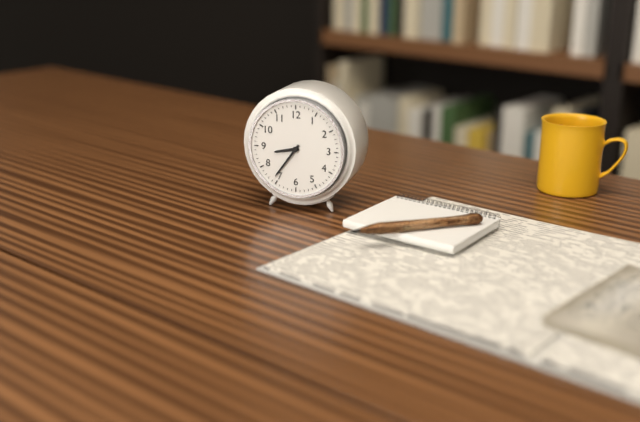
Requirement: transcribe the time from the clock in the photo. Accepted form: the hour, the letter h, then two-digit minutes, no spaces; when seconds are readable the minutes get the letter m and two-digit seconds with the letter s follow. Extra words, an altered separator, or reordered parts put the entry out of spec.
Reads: 8h36
